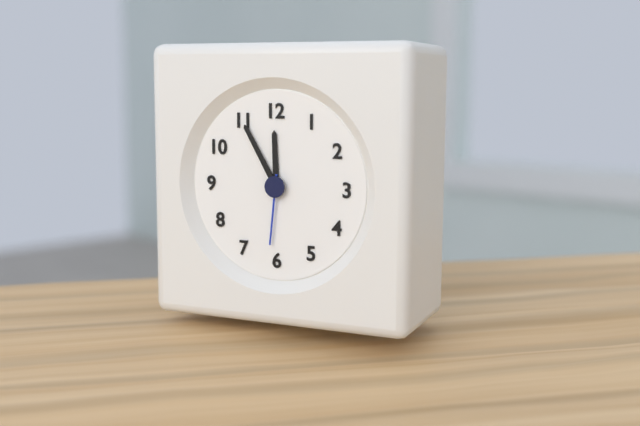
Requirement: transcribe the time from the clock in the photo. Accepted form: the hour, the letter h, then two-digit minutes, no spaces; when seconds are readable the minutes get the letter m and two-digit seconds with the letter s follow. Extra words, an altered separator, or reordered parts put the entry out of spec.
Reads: 11h55m31s
